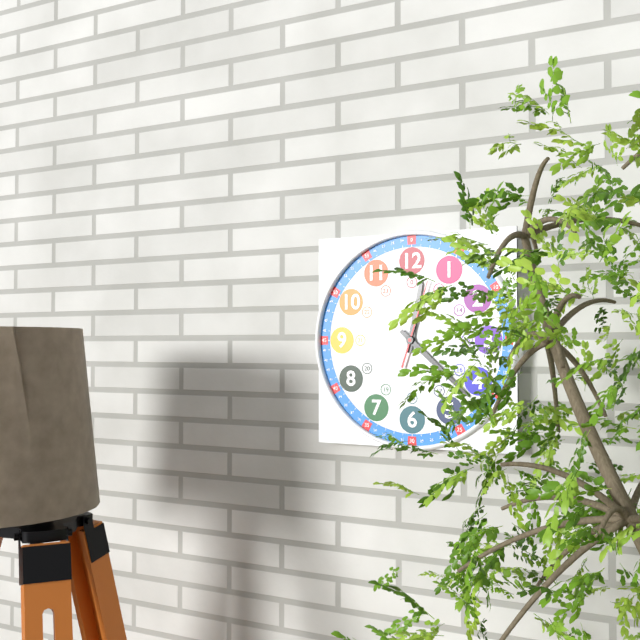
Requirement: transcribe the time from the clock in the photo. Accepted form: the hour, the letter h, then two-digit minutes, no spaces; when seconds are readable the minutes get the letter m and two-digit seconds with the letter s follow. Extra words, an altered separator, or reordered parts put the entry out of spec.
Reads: 12h22m03s
